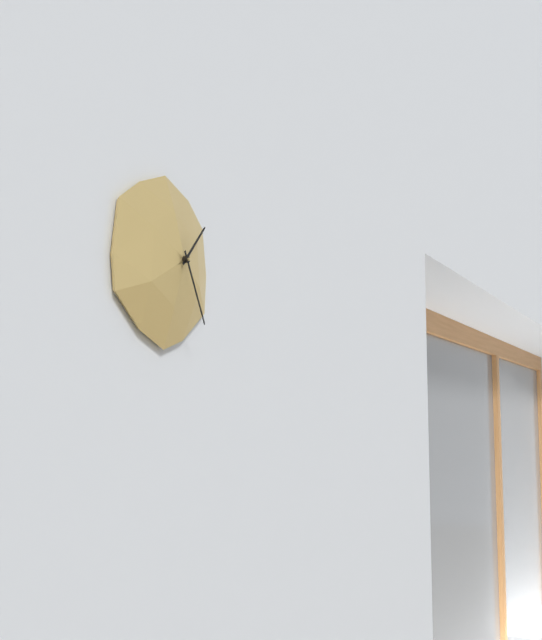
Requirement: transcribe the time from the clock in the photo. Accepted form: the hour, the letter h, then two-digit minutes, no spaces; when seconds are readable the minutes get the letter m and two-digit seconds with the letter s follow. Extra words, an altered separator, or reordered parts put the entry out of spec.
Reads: 1h25
